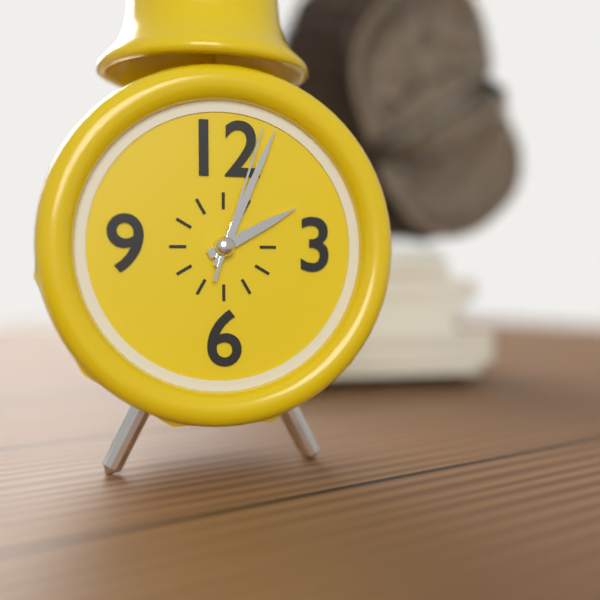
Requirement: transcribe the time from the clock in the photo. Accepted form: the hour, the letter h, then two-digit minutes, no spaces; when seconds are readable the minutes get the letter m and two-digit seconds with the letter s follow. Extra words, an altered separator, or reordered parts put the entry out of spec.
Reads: 2h04m03s
